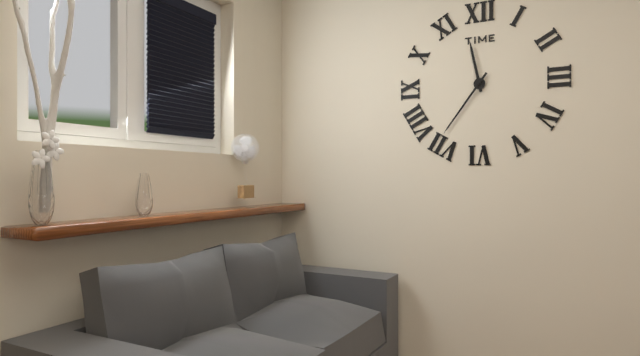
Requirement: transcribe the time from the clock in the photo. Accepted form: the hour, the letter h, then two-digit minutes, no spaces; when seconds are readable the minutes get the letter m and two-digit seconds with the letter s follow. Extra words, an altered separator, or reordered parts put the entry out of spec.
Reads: 11h36
